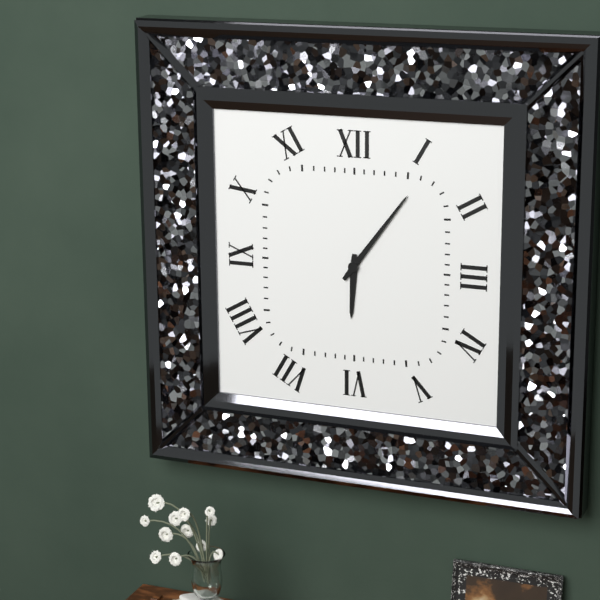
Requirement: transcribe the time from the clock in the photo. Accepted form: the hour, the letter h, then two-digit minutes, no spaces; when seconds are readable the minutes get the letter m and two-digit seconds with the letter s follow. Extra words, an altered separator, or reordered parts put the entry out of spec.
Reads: 6h06
